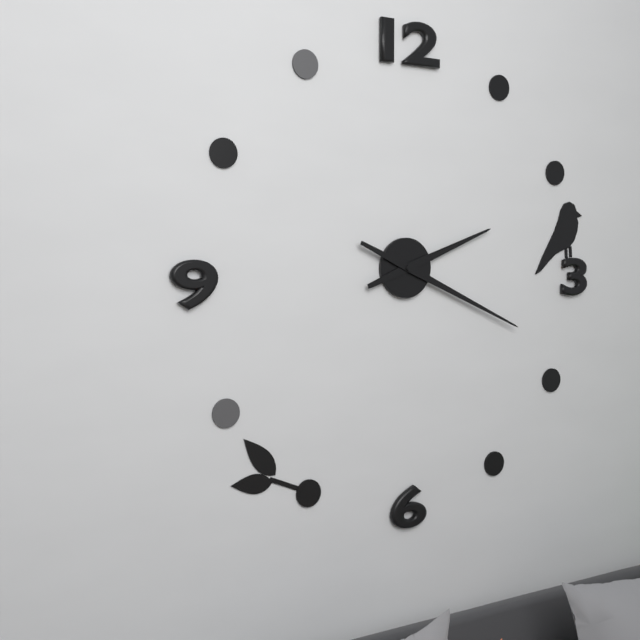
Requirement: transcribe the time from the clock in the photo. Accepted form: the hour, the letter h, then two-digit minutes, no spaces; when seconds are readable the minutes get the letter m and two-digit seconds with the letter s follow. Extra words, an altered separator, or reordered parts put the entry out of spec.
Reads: 2h19
